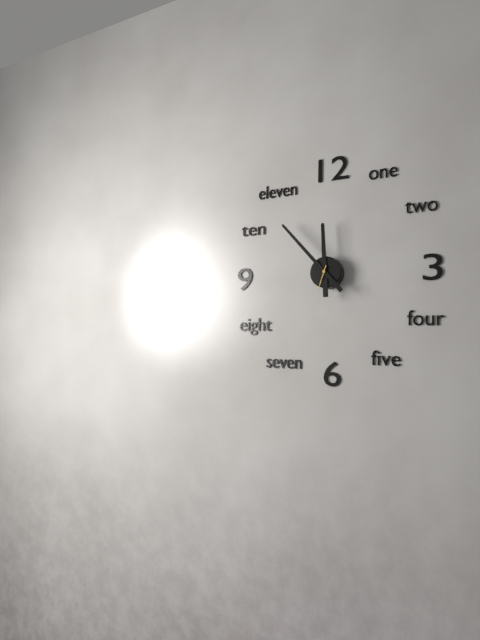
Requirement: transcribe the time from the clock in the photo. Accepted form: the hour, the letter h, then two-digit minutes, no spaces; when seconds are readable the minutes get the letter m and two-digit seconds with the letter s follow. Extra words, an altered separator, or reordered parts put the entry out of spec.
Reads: 11h53
